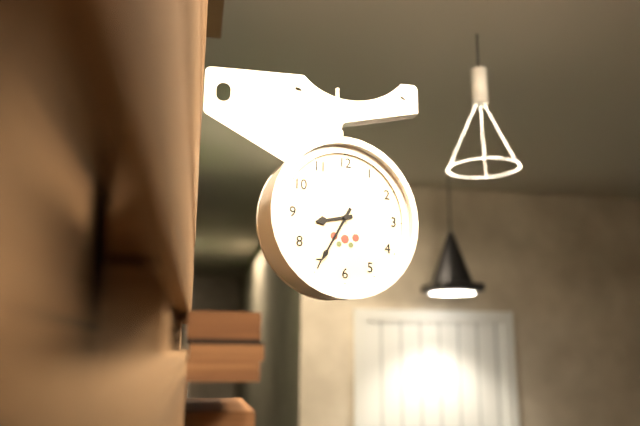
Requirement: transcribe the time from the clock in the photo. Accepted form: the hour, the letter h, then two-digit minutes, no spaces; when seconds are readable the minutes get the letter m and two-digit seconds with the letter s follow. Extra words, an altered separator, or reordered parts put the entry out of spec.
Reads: 8h35
